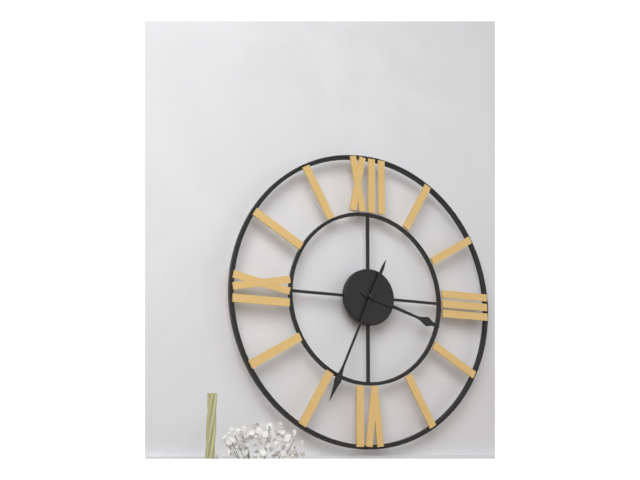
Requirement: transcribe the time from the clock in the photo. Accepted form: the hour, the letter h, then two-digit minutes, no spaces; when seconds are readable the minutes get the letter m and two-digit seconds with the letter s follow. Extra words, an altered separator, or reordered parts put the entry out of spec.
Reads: 3h34
